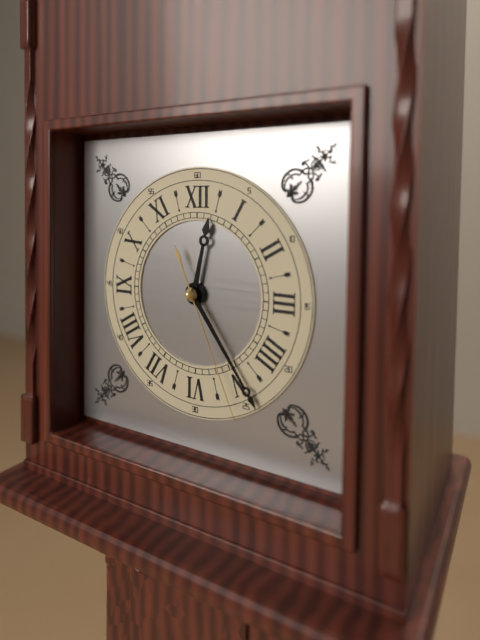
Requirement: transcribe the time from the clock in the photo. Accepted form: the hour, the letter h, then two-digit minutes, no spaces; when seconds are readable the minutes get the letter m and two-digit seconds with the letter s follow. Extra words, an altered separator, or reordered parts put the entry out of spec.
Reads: 12h24m26s
